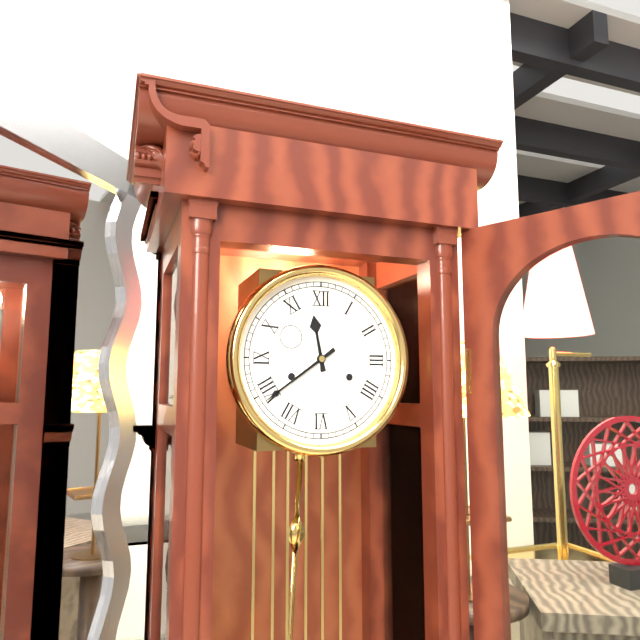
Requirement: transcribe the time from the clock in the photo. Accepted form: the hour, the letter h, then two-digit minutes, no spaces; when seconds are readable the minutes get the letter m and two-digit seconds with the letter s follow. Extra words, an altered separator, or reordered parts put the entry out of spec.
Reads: 11h39
